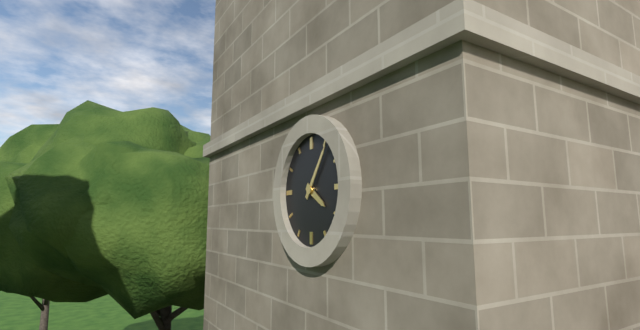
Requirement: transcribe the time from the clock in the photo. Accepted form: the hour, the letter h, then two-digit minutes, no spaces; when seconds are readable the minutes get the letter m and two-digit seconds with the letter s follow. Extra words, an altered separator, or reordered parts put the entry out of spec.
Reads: 4h06
